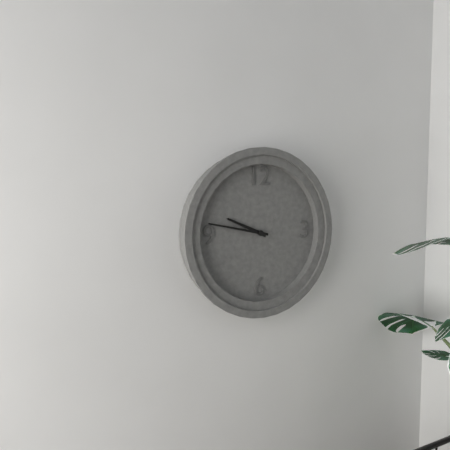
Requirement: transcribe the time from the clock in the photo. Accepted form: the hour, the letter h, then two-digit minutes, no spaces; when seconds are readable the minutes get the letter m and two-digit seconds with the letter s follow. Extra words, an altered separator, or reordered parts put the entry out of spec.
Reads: 9h47
